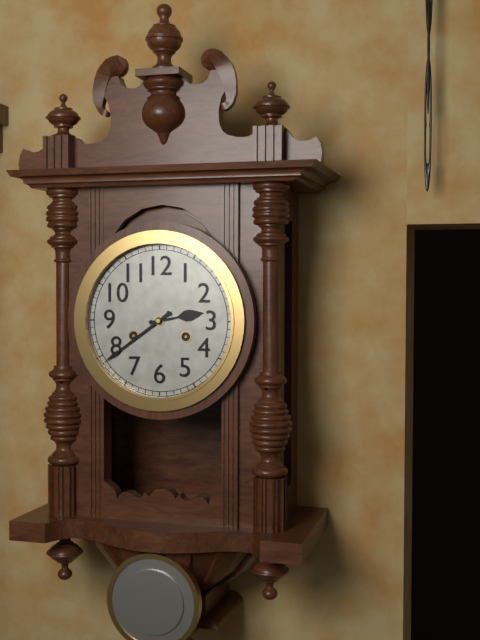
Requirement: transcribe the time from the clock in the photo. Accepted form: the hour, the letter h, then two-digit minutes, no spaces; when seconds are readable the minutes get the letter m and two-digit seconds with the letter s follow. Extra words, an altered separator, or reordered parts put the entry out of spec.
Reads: 2h39
